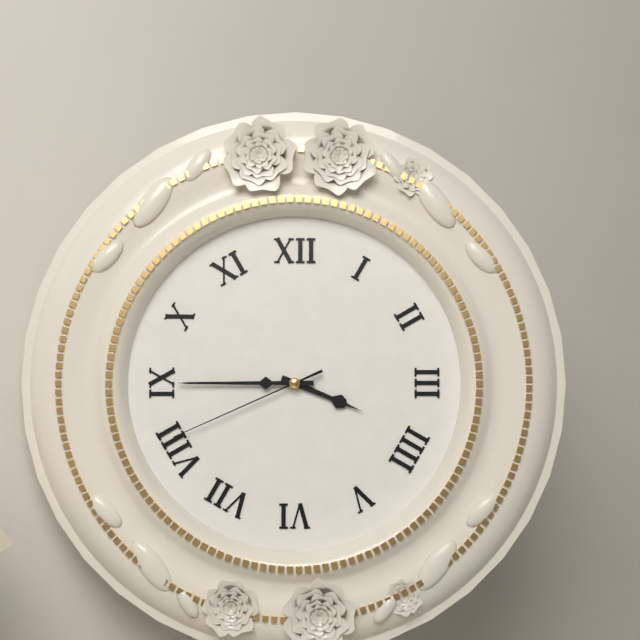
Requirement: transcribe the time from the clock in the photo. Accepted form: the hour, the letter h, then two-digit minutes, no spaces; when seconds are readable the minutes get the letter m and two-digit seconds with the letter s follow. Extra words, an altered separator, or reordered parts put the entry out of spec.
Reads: 3h45m41s
